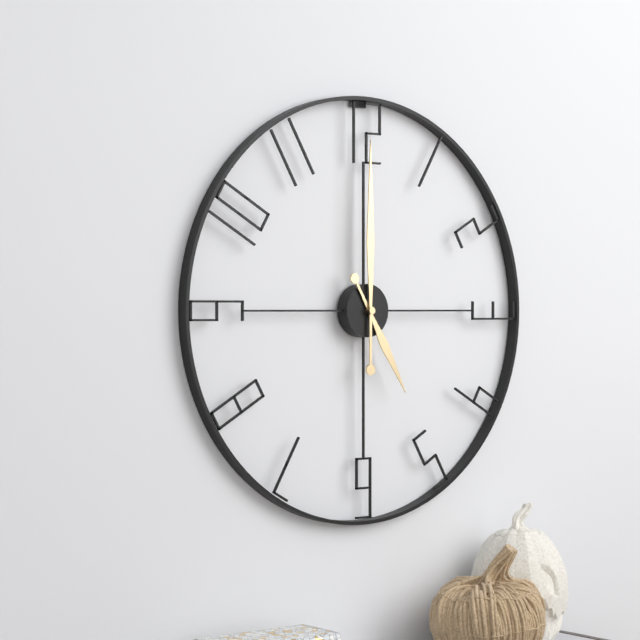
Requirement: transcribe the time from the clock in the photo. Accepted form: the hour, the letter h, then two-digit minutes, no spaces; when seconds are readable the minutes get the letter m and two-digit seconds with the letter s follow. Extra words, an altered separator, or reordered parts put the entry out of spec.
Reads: 5h00
